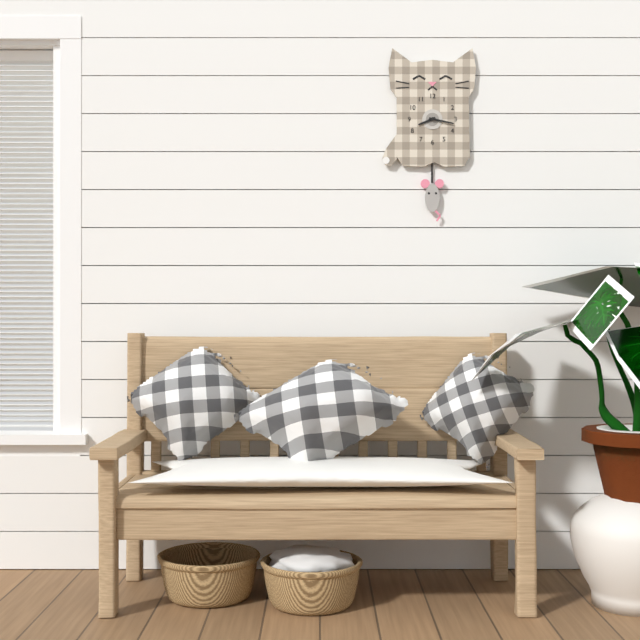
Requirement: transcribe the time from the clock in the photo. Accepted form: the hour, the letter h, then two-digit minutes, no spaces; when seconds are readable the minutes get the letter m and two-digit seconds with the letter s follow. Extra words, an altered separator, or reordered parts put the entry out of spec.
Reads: 8h17
